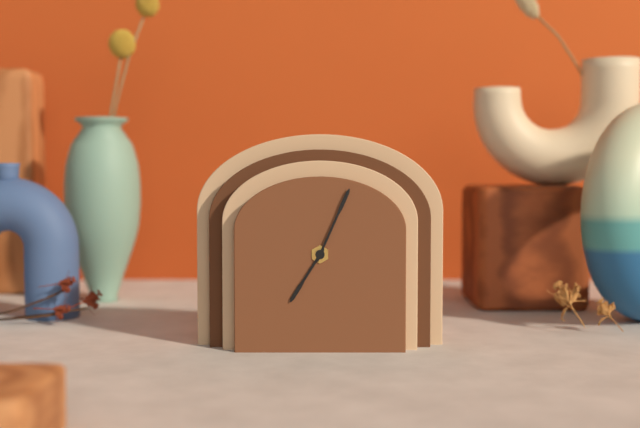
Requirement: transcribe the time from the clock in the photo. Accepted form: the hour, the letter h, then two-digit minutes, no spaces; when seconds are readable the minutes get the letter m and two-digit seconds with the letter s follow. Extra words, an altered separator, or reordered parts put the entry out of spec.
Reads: 7h04
